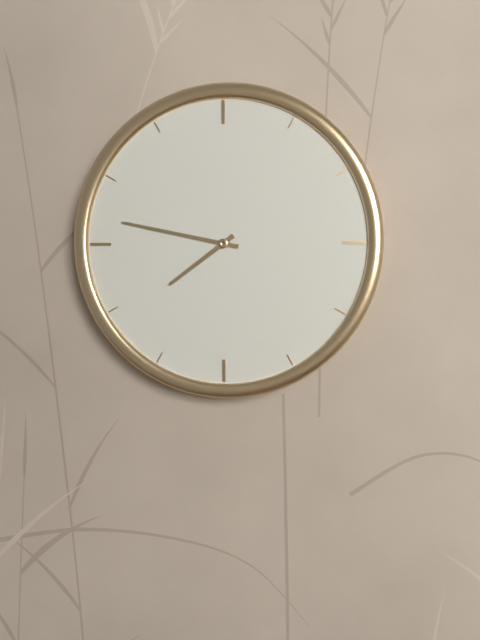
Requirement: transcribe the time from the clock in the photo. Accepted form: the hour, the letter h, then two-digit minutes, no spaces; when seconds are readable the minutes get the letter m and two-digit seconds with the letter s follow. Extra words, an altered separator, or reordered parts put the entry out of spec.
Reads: 7h47
